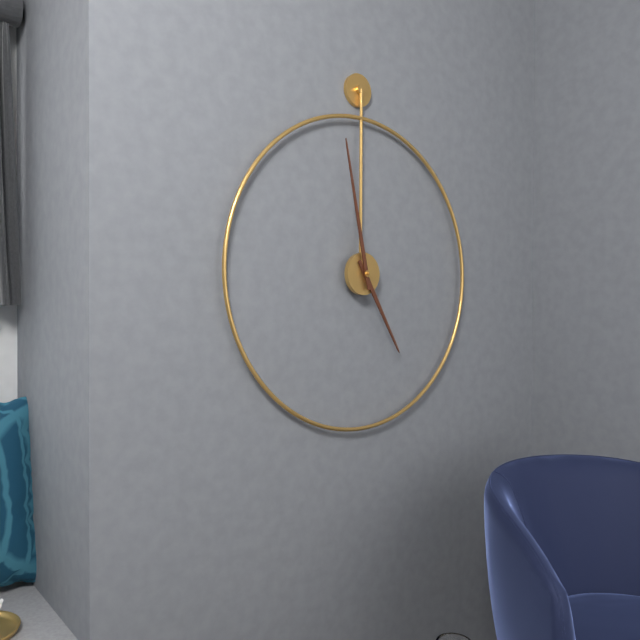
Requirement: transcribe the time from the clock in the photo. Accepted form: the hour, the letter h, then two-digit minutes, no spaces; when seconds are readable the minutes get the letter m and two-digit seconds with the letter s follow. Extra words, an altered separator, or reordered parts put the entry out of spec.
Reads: 4h58
